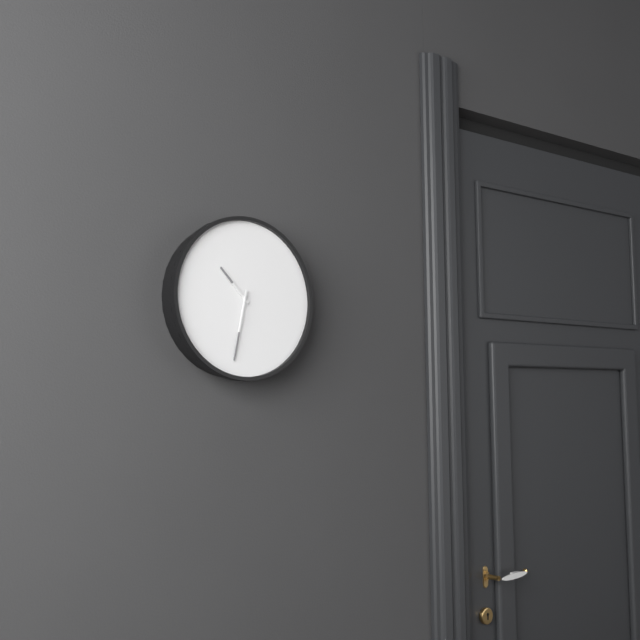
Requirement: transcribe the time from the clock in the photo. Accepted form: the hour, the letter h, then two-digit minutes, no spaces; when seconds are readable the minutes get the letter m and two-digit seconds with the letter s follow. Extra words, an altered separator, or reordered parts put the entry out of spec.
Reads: 10h32
